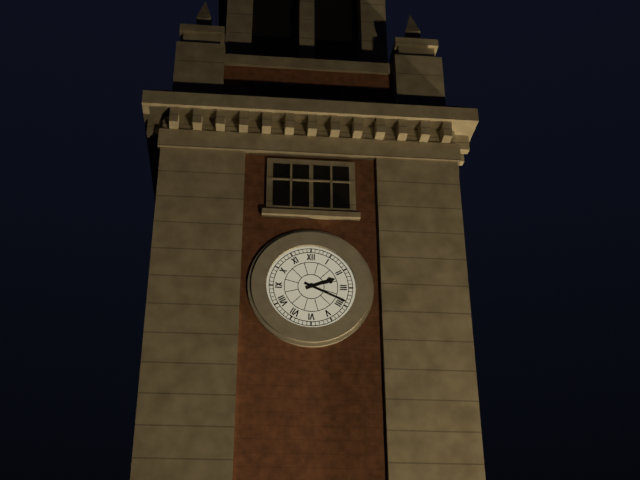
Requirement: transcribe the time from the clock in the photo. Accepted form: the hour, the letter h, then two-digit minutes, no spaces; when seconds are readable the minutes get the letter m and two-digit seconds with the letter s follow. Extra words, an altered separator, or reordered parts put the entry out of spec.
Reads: 2h19
